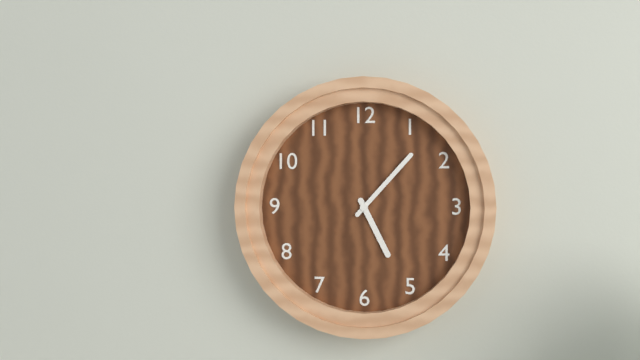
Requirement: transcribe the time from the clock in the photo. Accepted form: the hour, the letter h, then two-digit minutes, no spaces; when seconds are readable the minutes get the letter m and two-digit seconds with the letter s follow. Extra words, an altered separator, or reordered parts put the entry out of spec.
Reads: 5h07
